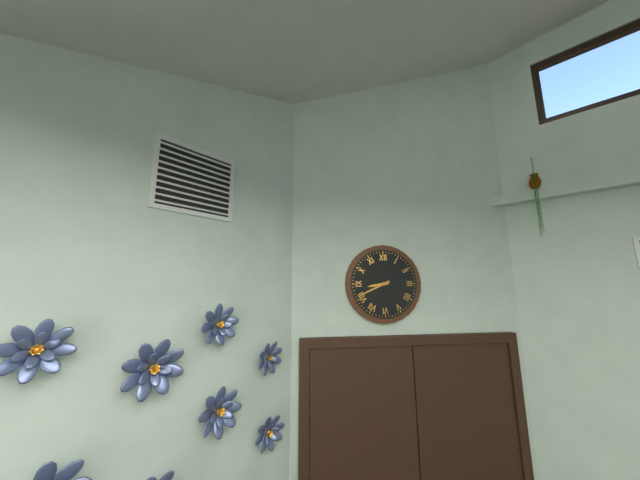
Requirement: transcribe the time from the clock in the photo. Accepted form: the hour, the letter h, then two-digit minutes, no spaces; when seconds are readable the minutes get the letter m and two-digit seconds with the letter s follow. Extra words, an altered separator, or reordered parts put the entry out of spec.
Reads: 8h41
